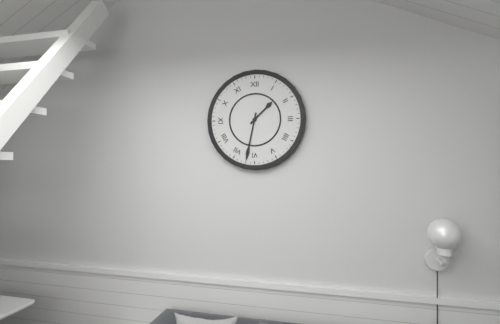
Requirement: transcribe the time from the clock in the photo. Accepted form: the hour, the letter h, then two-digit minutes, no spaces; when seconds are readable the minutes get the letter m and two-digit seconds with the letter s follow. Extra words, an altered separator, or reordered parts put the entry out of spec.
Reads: 1h32
